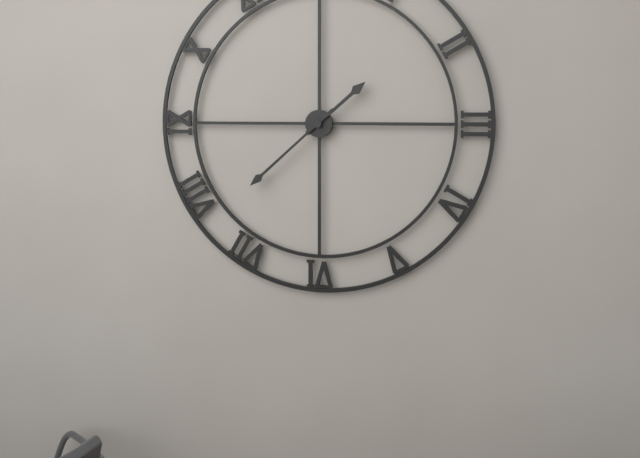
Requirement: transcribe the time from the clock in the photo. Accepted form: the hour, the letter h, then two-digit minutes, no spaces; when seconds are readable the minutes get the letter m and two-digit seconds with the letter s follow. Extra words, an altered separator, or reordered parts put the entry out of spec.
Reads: 1h38
